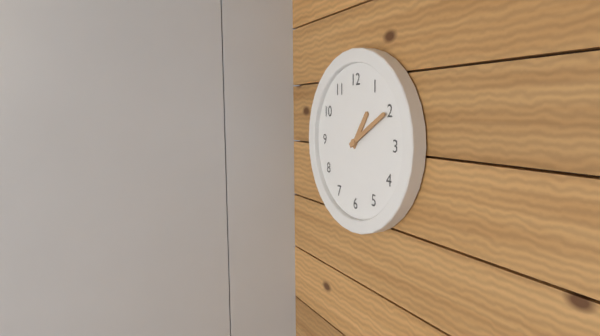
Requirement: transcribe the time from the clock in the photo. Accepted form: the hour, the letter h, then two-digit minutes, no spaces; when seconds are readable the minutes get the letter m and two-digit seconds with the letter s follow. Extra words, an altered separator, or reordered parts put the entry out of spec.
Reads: 1h10
